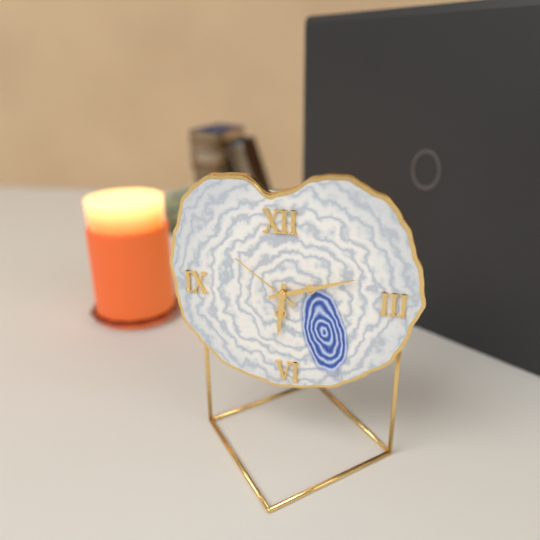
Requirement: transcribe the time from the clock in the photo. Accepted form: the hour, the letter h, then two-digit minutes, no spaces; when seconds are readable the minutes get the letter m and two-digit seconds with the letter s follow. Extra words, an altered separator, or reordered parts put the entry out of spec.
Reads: 6h12m51s
